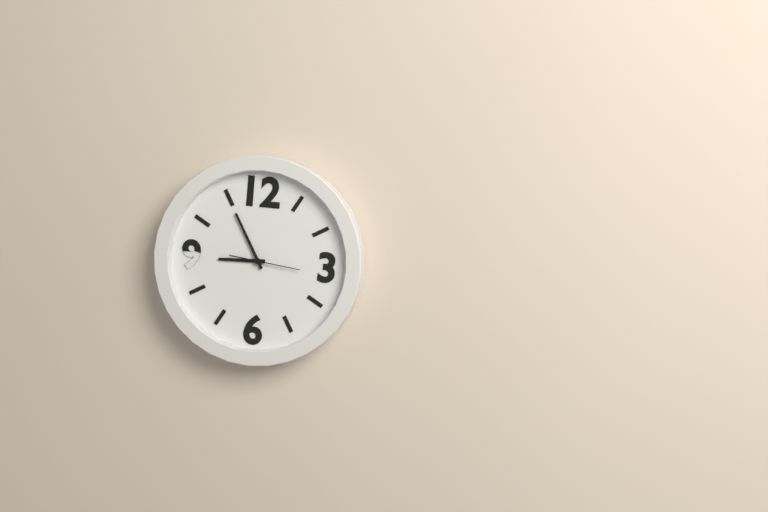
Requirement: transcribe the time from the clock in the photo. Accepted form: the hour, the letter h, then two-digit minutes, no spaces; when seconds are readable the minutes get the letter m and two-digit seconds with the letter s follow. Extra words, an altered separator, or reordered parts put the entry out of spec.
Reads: 8h55m16s
